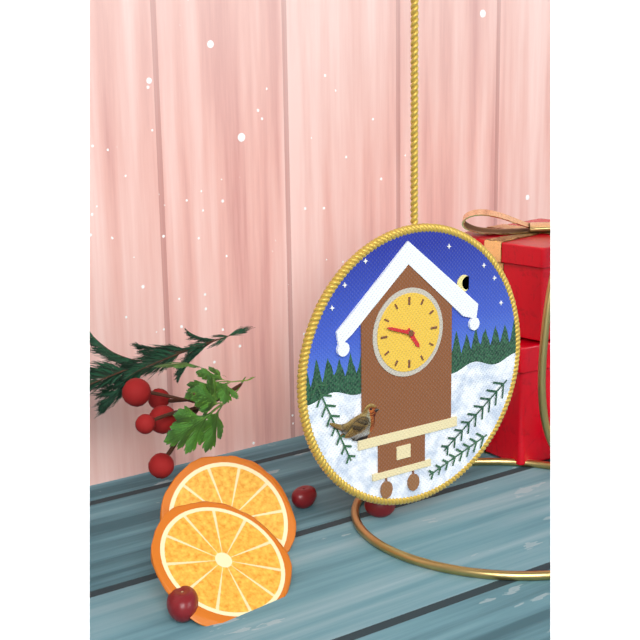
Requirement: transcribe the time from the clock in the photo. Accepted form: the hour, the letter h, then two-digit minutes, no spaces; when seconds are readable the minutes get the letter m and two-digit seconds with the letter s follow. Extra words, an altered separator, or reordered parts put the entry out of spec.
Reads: 4h48
